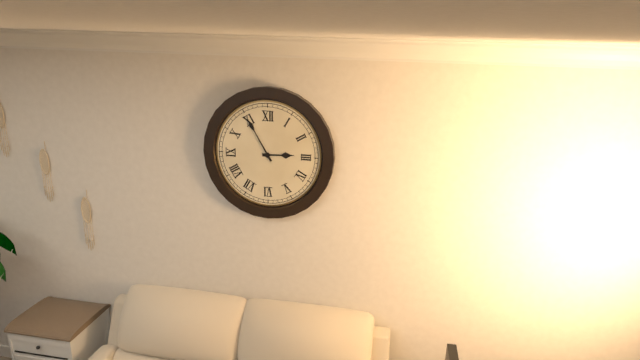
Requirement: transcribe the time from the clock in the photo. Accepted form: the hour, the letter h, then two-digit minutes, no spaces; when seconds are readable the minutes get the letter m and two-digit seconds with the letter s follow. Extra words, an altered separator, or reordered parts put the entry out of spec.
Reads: 2h55
